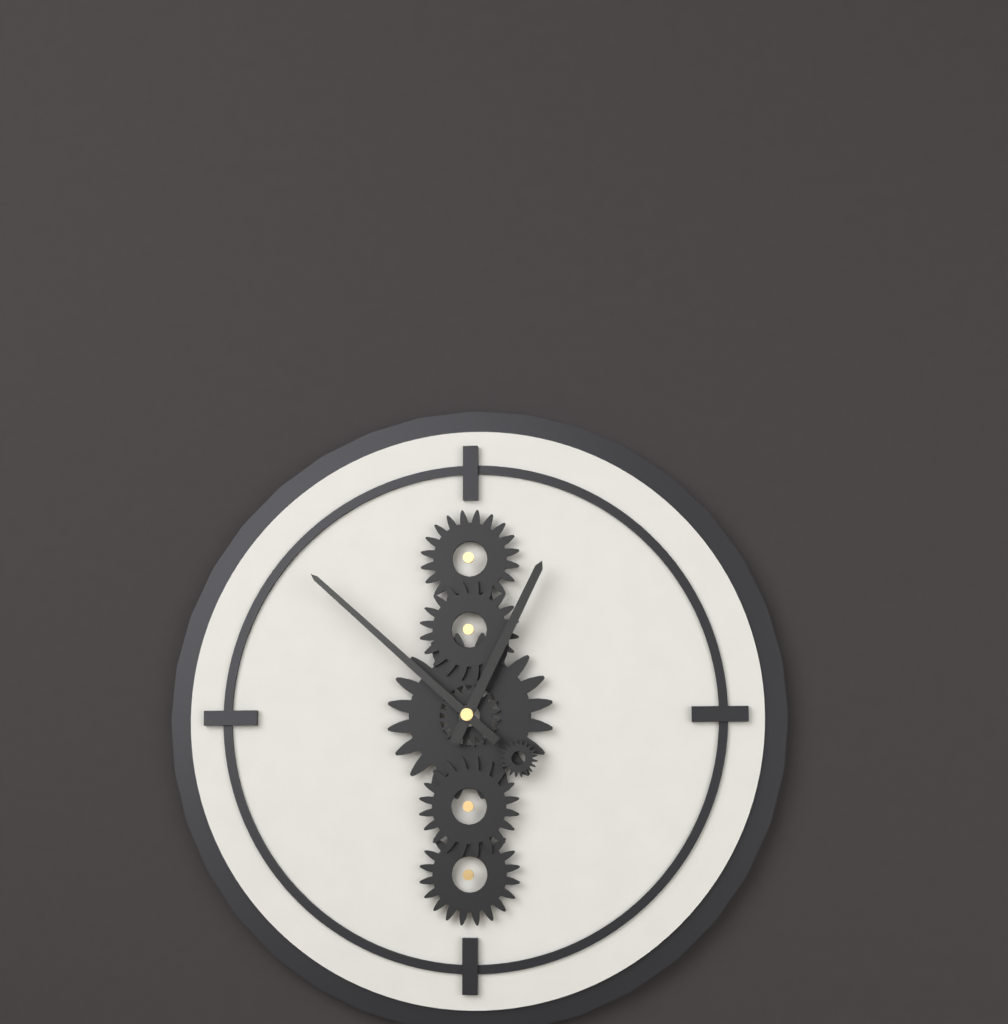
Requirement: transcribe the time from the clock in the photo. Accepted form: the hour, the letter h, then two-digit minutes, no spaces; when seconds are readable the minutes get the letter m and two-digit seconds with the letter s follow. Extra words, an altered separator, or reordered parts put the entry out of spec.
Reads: 12h52
